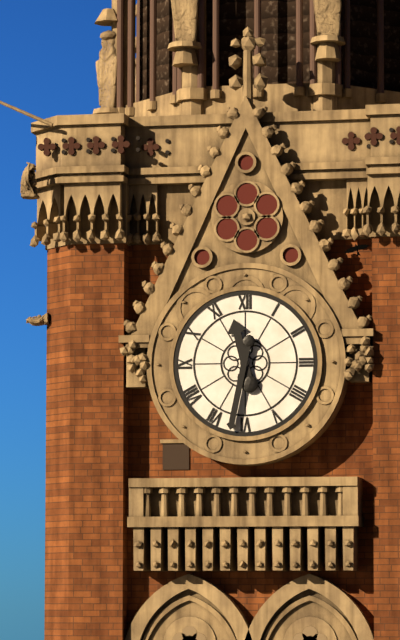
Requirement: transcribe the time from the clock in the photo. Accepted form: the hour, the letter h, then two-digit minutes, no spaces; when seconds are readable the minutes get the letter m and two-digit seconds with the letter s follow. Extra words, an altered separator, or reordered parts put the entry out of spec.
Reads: 11h32
